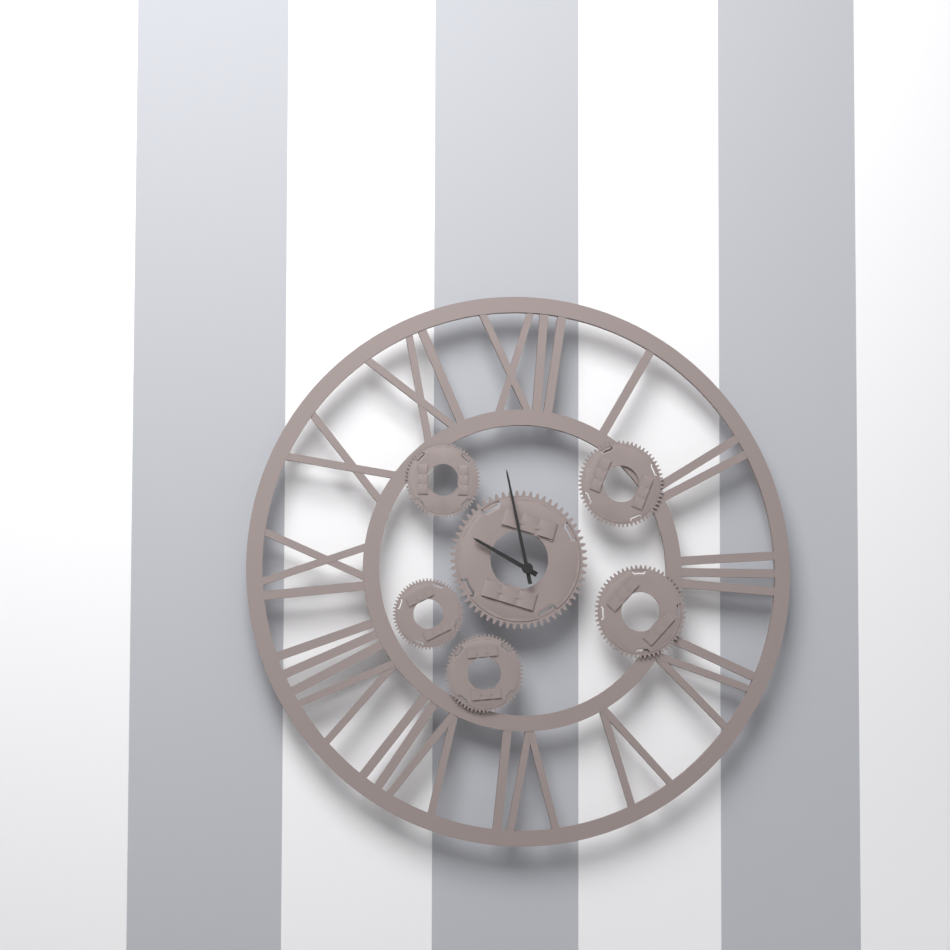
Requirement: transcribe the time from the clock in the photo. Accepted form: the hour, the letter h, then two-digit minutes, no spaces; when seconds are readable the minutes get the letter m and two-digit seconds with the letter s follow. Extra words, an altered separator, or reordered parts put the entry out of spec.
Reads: 9h58
